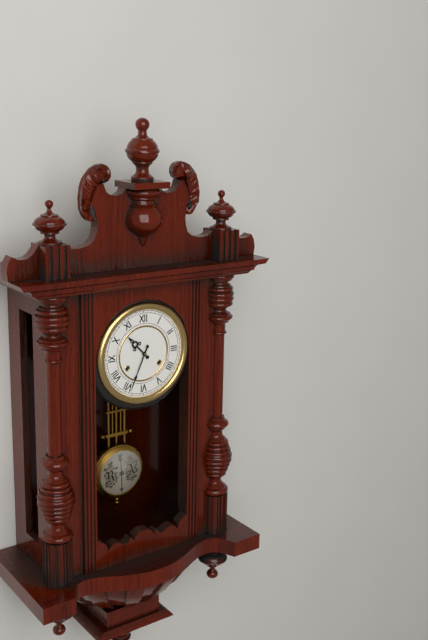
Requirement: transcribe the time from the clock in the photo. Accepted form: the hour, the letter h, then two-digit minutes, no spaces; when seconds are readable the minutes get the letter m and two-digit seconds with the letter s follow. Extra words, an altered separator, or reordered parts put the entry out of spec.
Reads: 10h34
